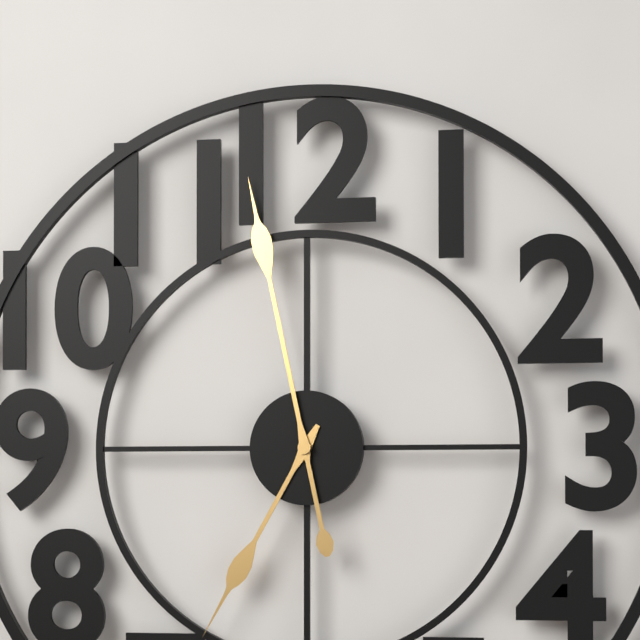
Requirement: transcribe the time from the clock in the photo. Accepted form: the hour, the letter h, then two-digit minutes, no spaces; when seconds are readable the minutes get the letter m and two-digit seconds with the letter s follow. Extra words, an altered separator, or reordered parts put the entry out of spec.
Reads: 6h58
